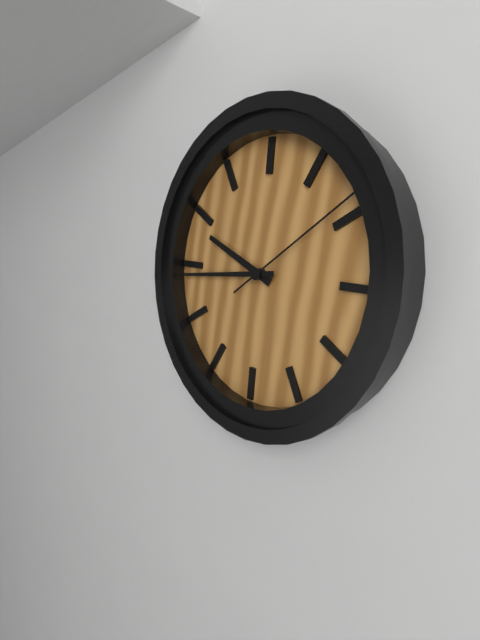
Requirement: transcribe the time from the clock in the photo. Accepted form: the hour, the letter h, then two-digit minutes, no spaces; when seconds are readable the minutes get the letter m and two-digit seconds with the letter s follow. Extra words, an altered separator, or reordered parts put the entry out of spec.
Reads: 9h44m09s
